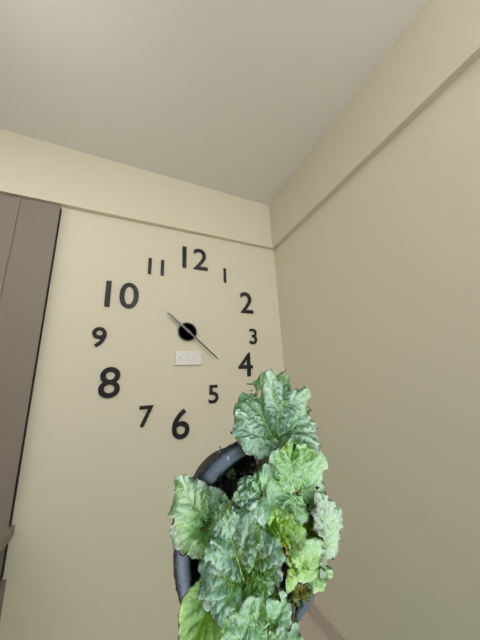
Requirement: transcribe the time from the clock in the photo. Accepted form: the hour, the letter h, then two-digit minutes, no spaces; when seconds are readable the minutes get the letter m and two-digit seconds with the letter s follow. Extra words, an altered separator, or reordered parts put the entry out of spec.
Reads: 10h22
